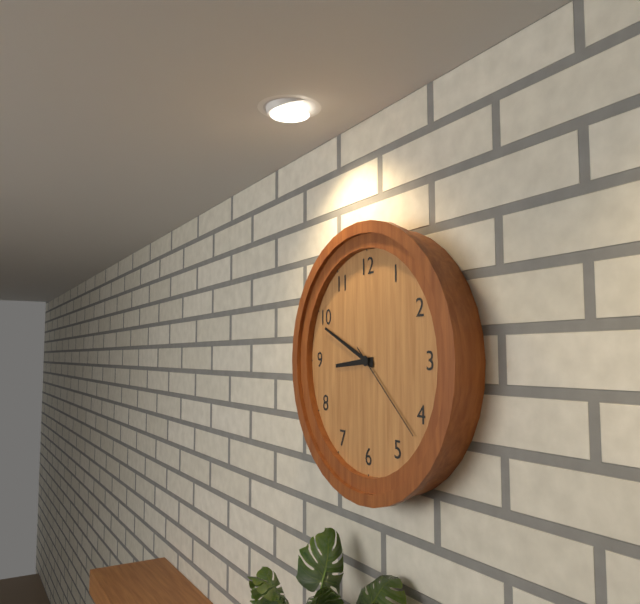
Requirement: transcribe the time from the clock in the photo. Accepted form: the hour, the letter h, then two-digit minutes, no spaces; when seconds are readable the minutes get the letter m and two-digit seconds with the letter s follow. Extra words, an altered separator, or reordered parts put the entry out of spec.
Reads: 8h49m22s
